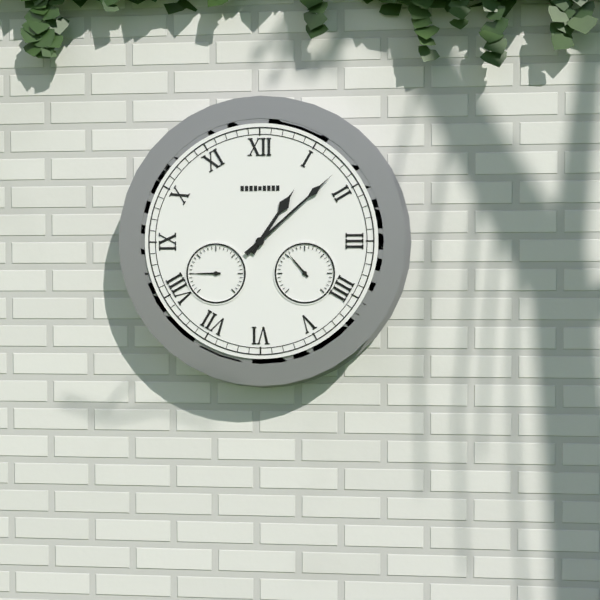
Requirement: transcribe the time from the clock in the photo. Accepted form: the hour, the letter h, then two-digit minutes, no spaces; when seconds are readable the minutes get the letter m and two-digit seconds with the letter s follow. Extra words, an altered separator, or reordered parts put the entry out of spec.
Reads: 1h08
